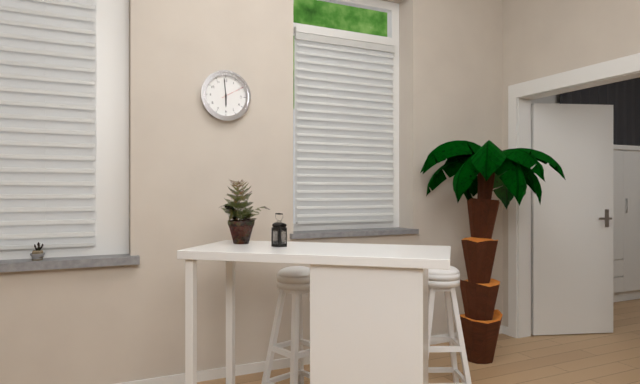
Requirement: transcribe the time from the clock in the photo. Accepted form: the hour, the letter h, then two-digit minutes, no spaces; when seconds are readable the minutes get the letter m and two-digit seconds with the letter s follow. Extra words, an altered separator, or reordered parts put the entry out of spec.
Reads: 5h59
